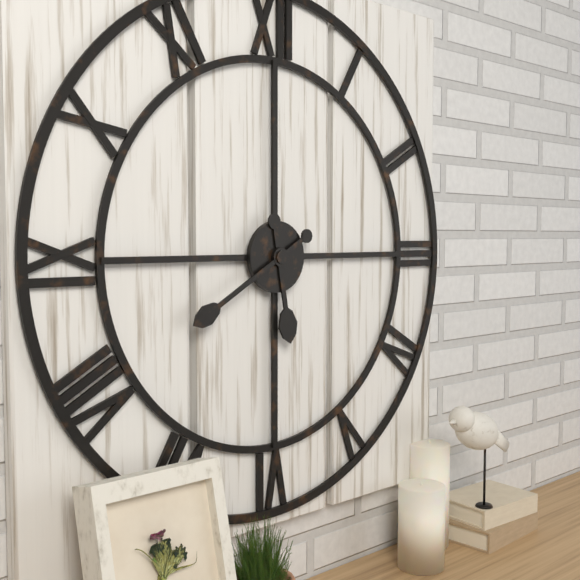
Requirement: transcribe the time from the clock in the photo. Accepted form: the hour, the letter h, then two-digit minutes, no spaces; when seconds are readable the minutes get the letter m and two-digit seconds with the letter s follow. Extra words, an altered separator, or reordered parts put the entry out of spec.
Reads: 5h40
